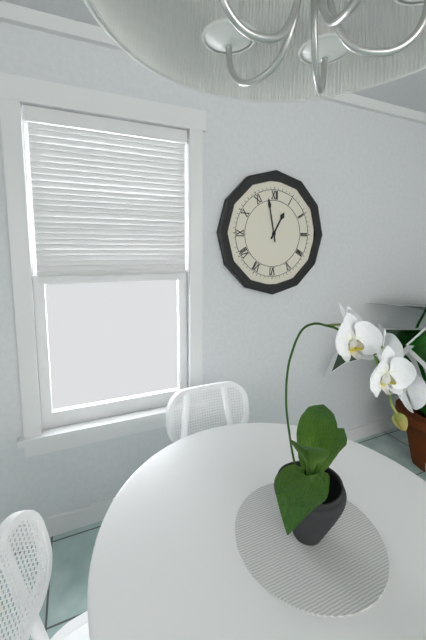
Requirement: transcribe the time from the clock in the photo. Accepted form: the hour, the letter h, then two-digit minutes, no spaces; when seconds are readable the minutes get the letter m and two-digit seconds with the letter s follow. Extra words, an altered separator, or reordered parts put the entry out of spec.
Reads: 12h58
